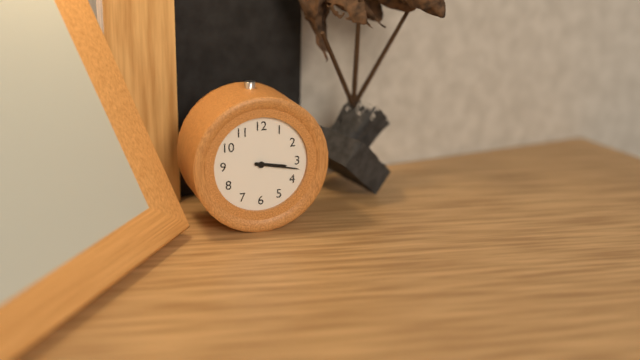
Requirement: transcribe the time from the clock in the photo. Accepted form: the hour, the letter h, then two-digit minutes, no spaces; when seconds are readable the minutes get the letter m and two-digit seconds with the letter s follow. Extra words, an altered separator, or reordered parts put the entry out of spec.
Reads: 3h17
